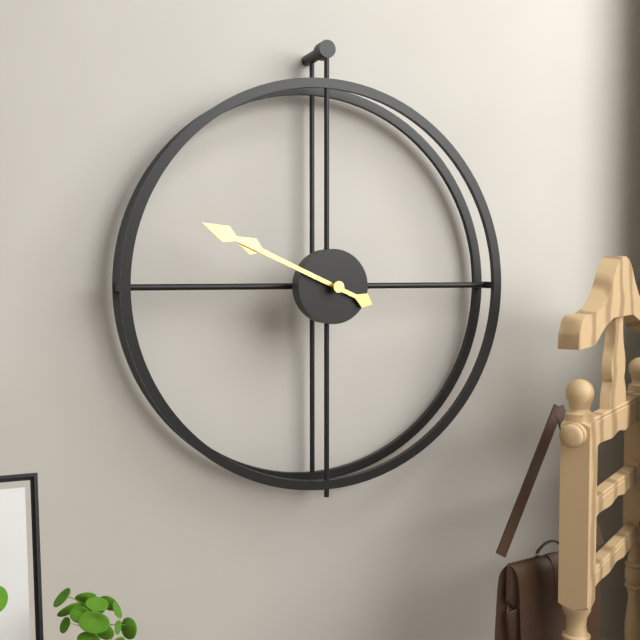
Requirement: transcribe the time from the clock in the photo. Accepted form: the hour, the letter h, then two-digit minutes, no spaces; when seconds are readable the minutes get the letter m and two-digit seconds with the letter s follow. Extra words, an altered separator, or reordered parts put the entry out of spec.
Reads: 9h49
